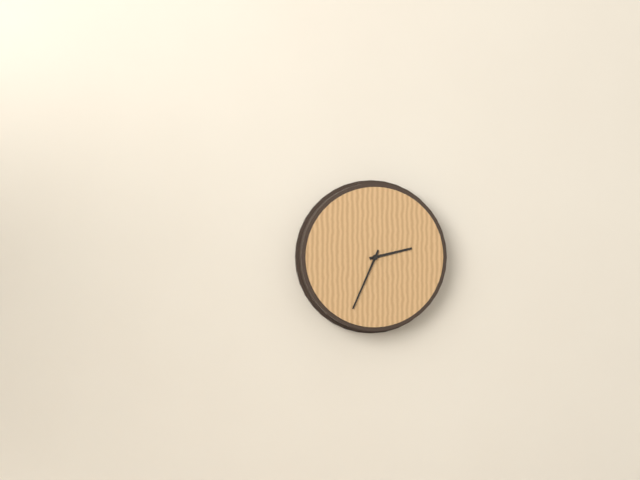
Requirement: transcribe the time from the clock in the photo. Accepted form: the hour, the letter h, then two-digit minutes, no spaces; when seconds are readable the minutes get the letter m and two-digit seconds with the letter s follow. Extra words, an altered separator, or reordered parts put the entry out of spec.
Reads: 2h34
